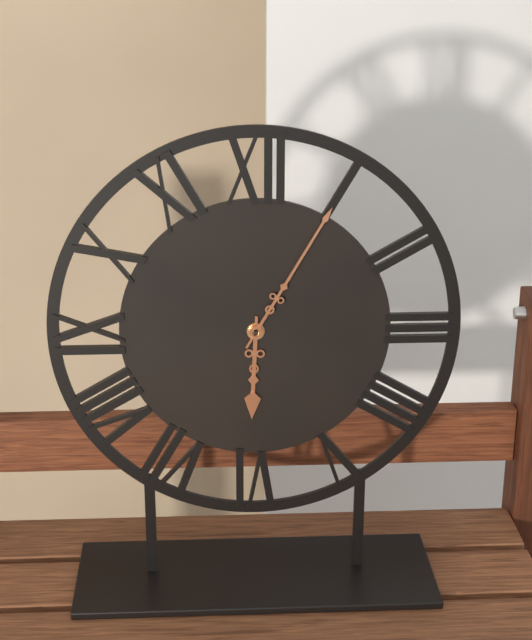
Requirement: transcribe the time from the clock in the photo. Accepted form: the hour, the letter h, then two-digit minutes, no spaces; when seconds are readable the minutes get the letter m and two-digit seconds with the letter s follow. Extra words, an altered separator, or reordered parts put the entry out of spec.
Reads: 6h05
